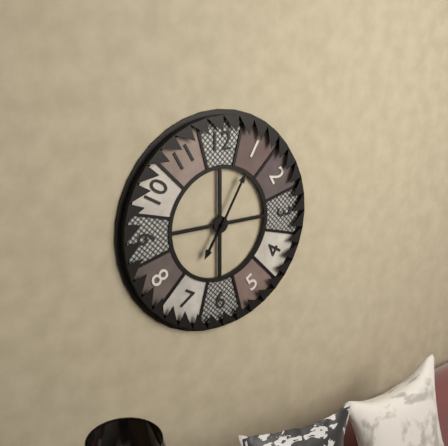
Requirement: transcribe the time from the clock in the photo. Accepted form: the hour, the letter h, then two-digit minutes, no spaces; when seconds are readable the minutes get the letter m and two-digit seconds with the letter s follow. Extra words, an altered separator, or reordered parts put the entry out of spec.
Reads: 7h05
